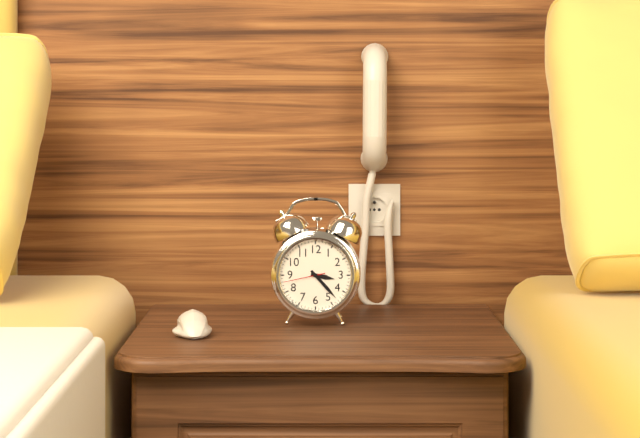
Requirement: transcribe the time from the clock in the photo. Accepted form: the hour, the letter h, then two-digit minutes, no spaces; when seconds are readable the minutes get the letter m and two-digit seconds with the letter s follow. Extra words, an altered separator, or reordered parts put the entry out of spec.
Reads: 3h23
